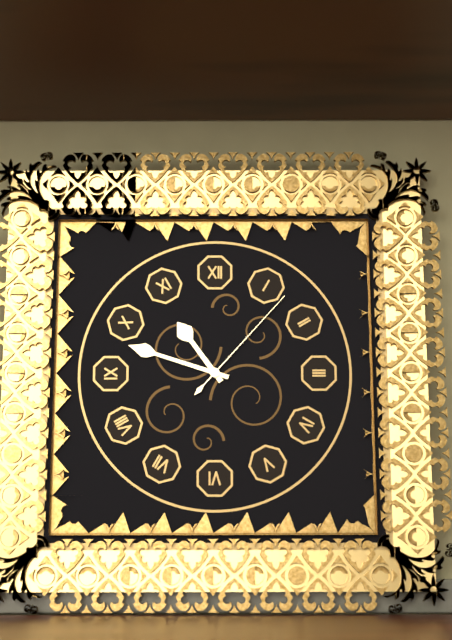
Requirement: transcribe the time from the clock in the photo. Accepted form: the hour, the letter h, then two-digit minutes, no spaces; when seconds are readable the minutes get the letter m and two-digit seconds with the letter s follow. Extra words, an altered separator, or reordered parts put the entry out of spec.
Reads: 10h48m07s
